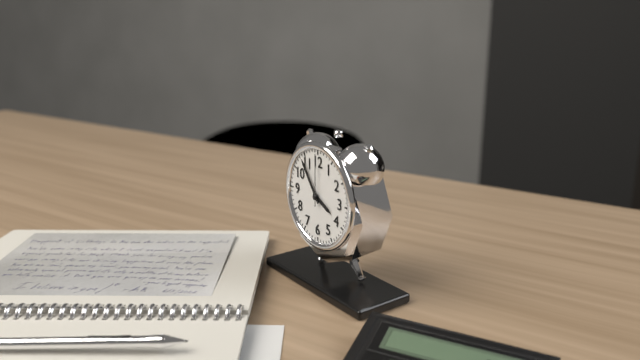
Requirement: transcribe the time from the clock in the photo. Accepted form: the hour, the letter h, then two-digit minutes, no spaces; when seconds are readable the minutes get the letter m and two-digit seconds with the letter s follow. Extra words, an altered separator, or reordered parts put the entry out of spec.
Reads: 3h54m00s
